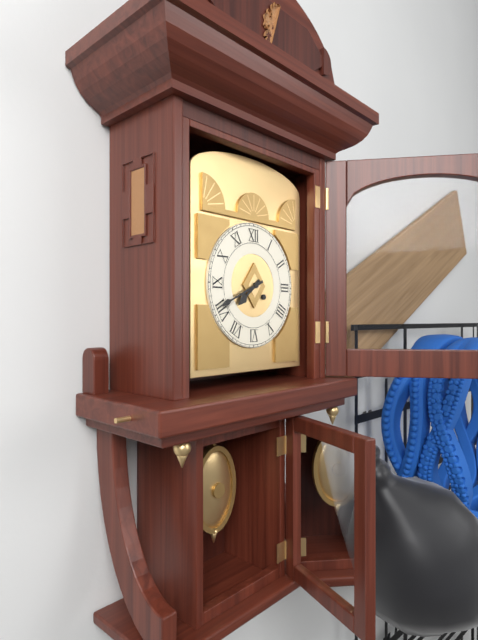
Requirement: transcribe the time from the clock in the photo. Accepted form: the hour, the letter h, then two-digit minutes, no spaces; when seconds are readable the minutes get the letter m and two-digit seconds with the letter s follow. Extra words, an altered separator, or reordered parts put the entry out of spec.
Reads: 7h41
